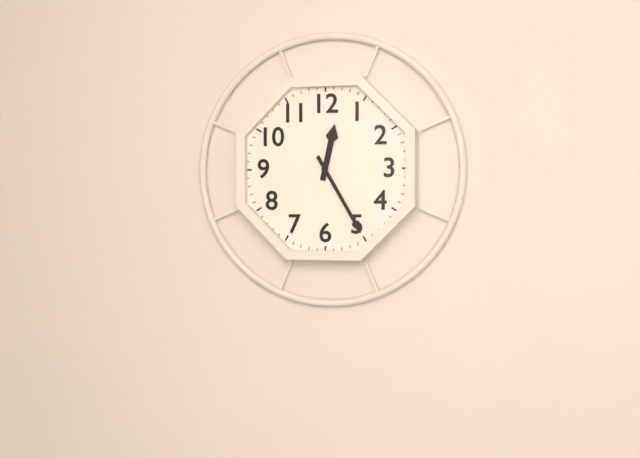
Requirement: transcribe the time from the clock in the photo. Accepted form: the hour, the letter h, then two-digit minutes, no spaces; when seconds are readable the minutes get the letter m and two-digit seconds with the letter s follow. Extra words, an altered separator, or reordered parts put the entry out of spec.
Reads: 12h25
